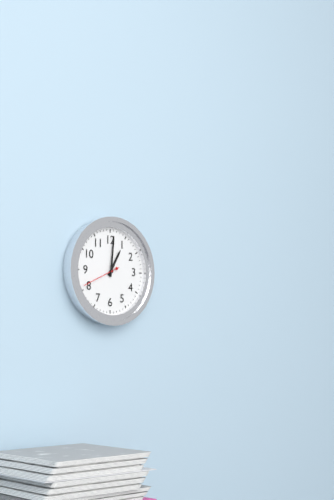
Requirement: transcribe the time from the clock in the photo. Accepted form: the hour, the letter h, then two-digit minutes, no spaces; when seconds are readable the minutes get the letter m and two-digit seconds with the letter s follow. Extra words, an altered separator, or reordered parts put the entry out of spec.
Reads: 1h01
